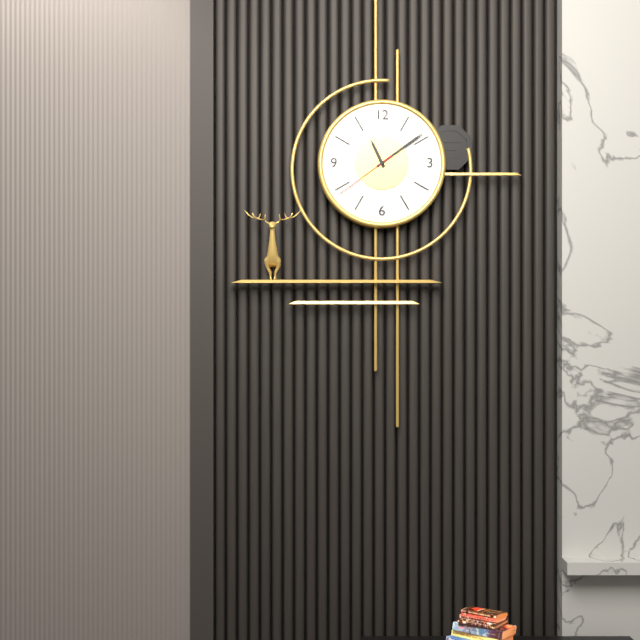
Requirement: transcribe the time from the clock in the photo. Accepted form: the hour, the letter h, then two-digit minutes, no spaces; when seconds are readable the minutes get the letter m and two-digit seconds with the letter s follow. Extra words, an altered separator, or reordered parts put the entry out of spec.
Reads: 11h09m39s
